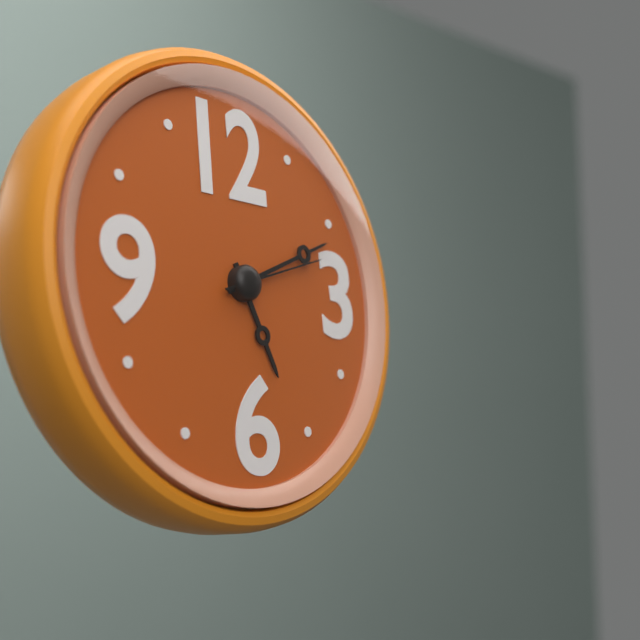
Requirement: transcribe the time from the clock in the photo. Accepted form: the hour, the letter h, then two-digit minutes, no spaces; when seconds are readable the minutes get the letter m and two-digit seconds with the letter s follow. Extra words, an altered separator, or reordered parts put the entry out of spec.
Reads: 5h11m12s
